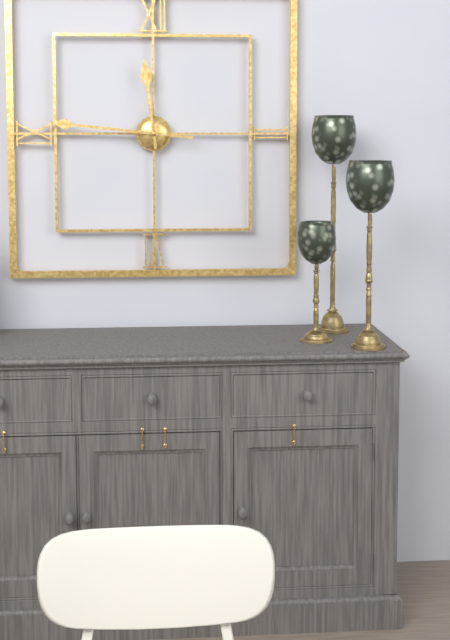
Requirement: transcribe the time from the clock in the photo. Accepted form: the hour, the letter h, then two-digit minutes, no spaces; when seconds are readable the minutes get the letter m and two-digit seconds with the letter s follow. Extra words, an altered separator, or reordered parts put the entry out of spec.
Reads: 11h46
